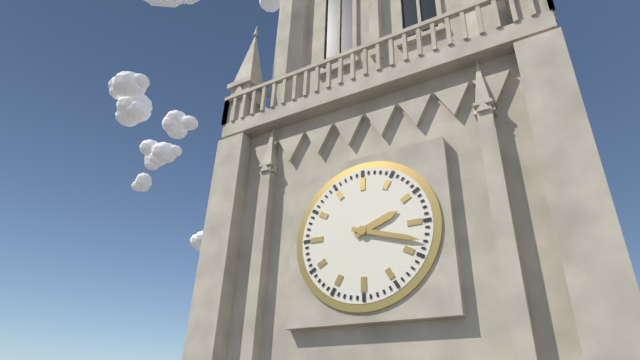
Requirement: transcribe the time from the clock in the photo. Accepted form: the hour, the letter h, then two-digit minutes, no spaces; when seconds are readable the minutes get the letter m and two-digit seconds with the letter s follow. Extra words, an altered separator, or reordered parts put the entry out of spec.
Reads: 2h18
